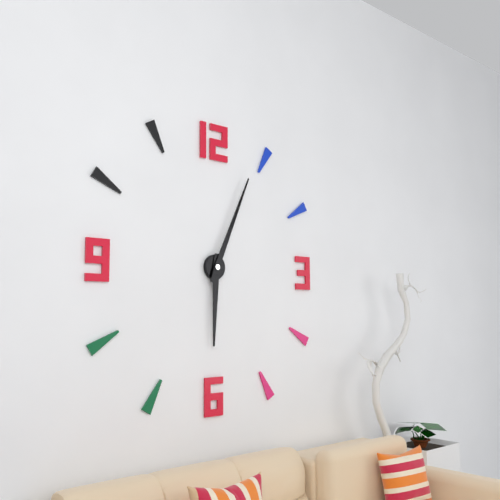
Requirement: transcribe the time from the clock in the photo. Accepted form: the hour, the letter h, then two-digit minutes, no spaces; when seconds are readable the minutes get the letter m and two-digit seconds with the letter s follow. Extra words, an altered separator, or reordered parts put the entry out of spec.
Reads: 6h04
